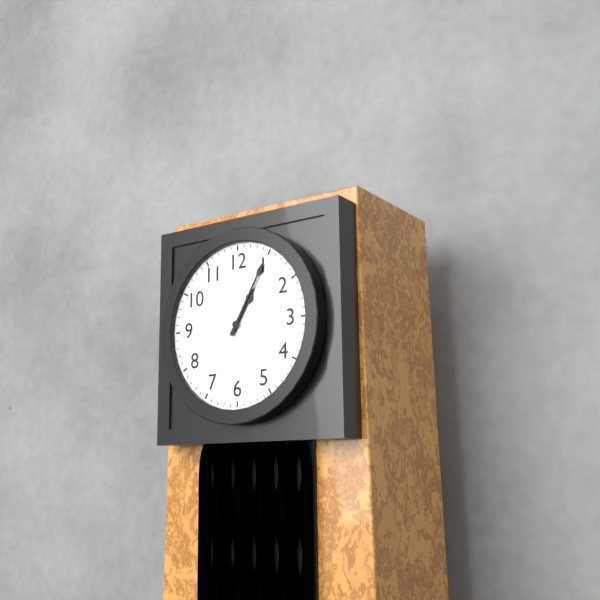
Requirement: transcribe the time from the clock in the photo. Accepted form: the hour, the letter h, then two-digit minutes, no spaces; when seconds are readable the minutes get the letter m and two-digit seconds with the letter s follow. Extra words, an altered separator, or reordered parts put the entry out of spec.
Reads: 1h05
